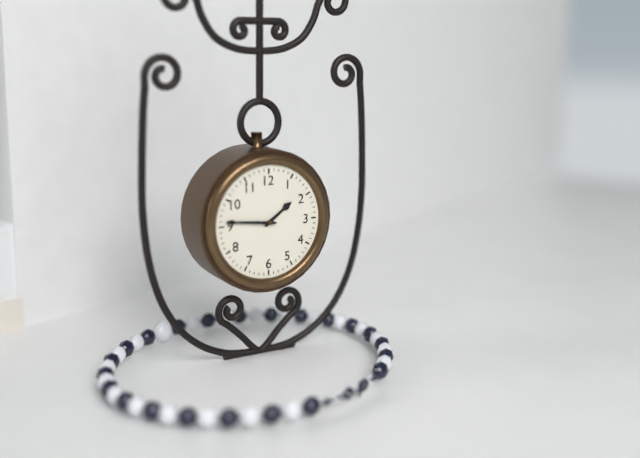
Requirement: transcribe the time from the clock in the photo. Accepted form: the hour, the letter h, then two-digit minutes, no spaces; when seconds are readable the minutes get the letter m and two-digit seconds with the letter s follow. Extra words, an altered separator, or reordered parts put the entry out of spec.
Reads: 1h46
